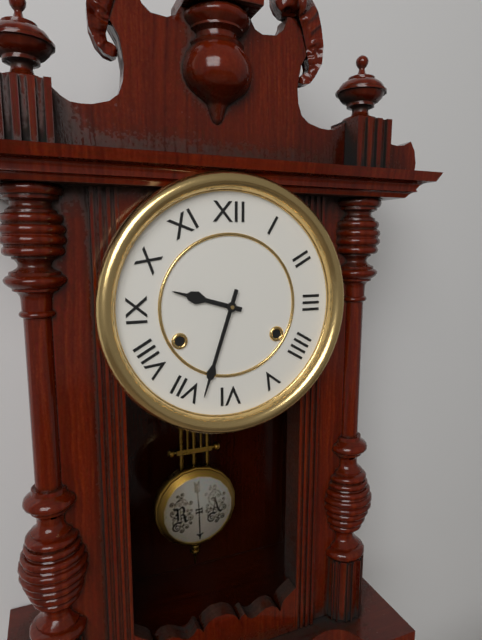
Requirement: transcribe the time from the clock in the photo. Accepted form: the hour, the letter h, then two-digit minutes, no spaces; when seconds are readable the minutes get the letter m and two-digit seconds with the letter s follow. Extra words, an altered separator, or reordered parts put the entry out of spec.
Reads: 9h33
